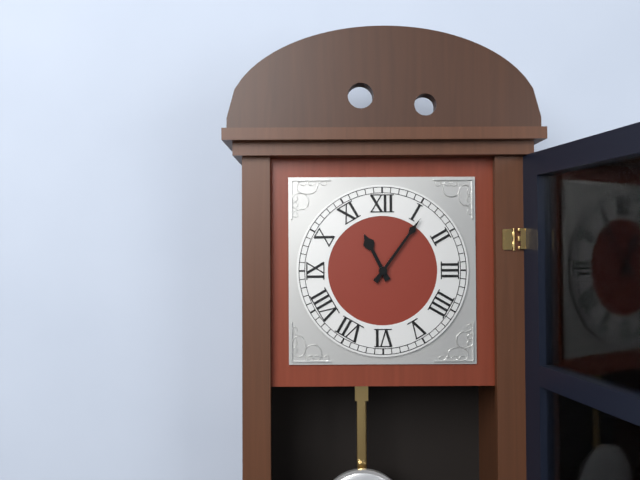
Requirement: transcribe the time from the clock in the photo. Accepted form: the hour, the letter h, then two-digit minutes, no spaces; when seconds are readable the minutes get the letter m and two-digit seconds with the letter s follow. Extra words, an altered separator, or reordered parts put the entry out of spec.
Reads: 11h06
